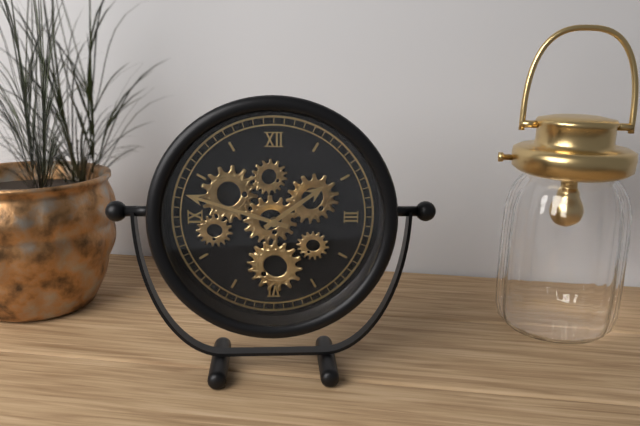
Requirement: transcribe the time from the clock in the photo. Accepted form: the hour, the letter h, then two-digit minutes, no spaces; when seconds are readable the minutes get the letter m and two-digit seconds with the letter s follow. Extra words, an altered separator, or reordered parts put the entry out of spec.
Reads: 1h48
